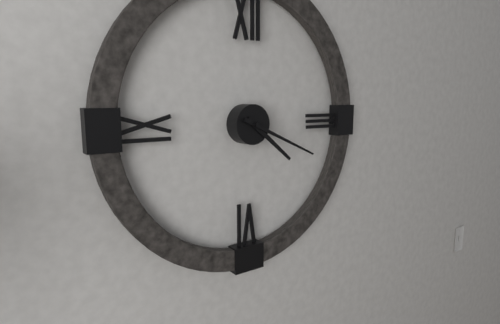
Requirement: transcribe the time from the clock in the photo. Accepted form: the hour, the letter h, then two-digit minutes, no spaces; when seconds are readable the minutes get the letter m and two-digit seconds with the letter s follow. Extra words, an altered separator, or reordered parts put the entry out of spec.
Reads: 4h19
